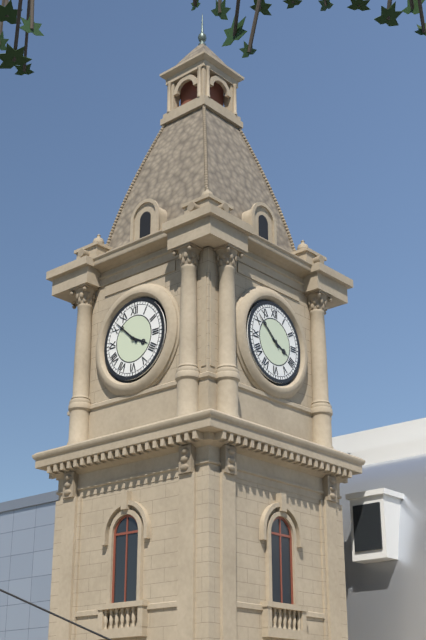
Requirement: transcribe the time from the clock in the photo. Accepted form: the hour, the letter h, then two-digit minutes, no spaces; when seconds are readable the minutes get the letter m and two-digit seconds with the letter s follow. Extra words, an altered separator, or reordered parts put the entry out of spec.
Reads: 3h52
